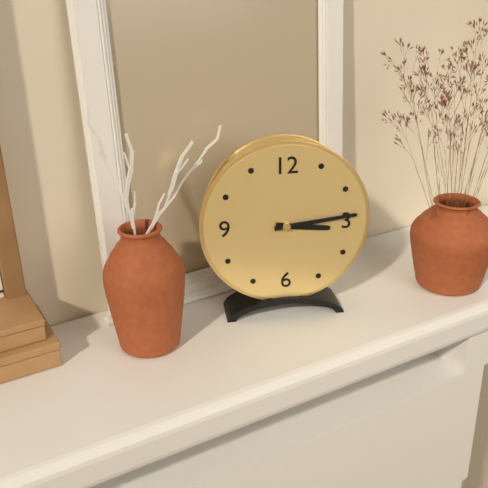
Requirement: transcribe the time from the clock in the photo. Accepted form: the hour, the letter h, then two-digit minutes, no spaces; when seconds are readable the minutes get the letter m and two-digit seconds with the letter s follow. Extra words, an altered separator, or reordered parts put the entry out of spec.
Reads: 3h14
